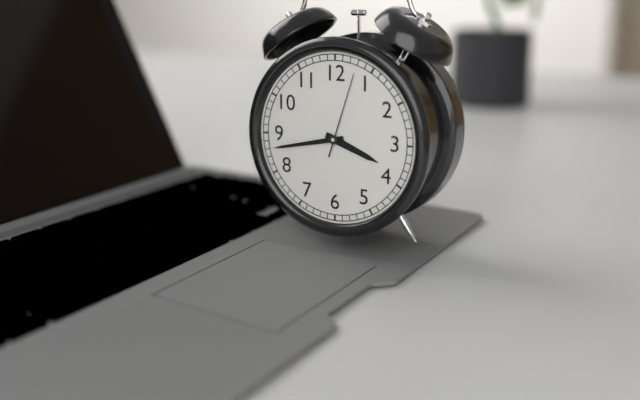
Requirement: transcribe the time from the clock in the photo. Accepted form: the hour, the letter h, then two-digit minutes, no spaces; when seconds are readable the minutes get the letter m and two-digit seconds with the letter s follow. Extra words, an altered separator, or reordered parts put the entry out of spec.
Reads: 3h43m03s
